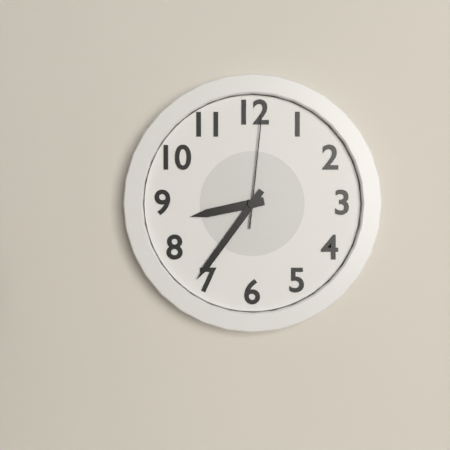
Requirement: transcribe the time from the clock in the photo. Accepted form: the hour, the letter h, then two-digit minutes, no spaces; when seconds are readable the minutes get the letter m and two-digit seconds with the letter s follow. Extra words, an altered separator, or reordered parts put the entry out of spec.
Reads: 8h36m01s
